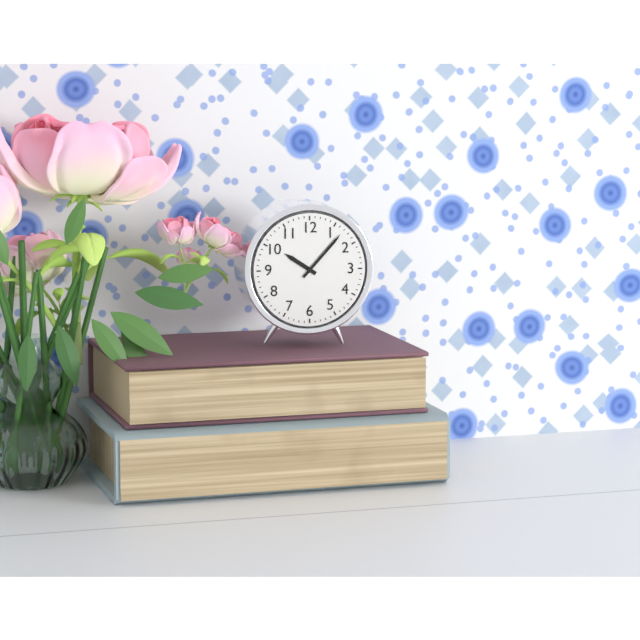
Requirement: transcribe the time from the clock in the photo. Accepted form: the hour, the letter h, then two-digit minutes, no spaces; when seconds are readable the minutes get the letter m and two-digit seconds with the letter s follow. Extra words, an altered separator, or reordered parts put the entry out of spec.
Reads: 10h07
